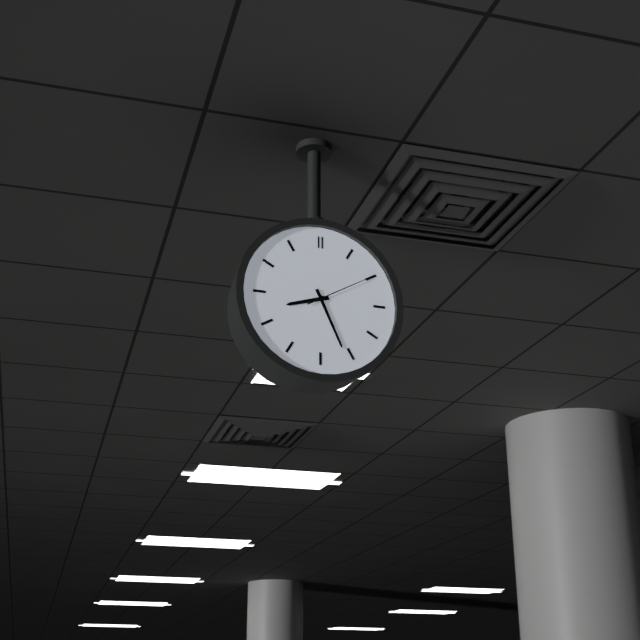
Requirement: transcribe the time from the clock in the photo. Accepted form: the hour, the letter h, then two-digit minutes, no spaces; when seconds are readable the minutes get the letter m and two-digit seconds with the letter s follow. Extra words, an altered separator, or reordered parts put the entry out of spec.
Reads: 8h26m10s
